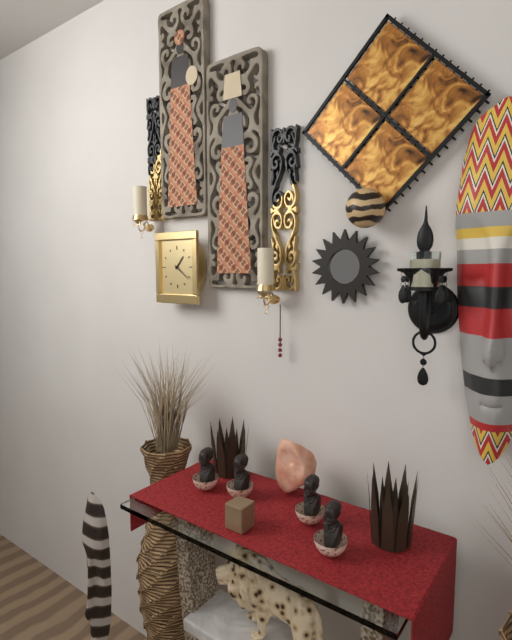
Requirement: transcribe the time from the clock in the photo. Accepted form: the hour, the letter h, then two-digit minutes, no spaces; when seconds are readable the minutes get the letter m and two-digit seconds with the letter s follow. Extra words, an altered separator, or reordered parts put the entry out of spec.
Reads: 1h21
